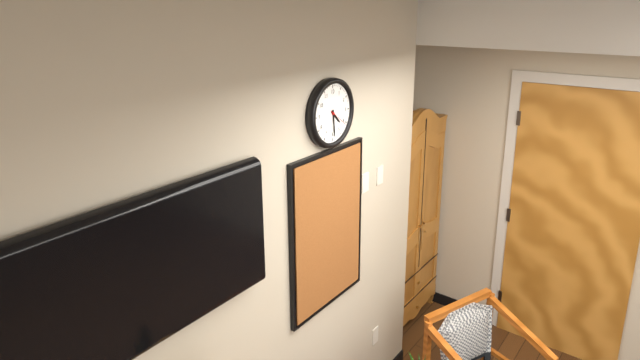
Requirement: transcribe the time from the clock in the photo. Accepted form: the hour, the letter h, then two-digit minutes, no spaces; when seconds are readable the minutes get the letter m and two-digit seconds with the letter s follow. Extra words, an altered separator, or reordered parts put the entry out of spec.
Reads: 4h29
